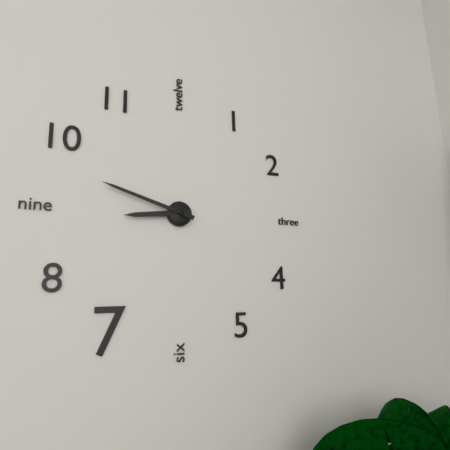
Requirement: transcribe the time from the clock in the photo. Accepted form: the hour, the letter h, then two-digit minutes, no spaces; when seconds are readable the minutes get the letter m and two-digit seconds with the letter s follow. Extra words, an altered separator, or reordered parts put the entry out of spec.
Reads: 8h48
